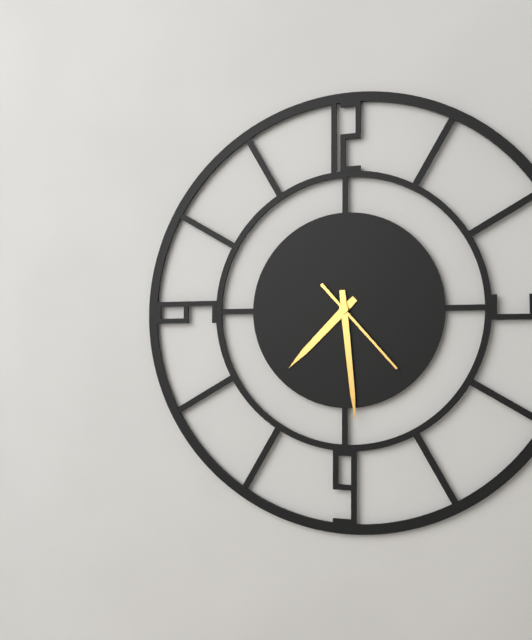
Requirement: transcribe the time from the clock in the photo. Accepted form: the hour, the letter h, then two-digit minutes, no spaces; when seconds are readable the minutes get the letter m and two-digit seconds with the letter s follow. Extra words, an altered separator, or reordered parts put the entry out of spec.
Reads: 7h29m23s
